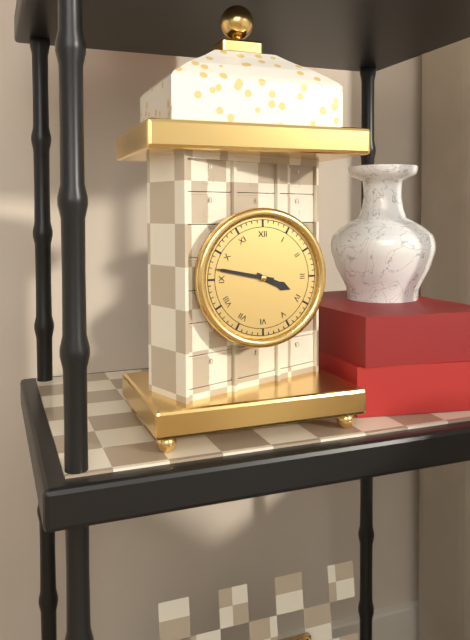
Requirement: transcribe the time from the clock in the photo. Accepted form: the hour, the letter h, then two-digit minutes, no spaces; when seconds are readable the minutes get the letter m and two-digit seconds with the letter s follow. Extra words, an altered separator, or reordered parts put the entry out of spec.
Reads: 3h47
